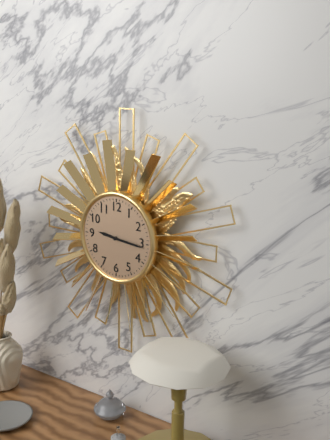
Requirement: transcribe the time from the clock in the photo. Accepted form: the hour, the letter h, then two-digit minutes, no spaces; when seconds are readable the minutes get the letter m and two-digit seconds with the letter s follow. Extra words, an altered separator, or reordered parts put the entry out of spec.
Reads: 9h16
